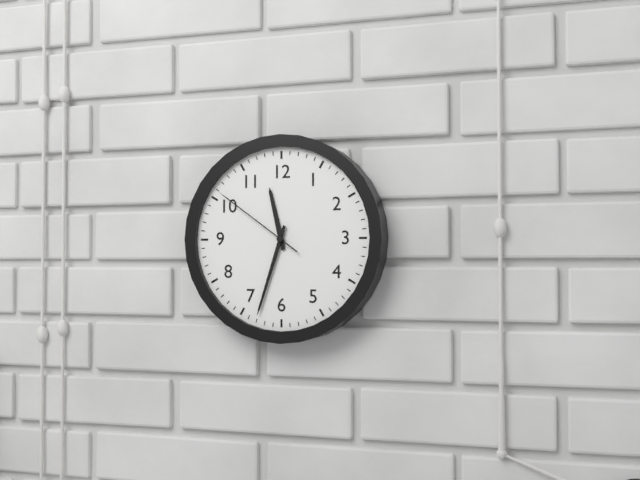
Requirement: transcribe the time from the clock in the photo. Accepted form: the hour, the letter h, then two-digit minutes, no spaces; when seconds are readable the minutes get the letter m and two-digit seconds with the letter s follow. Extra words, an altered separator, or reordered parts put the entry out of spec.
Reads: 11h33m51s
